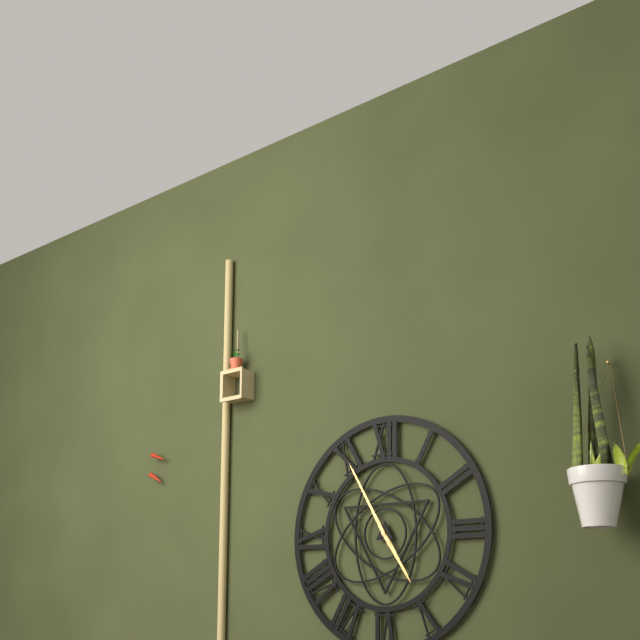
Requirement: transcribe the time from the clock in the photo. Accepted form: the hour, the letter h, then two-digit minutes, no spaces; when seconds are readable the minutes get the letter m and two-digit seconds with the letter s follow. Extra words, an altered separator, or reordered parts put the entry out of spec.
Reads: 4h55
